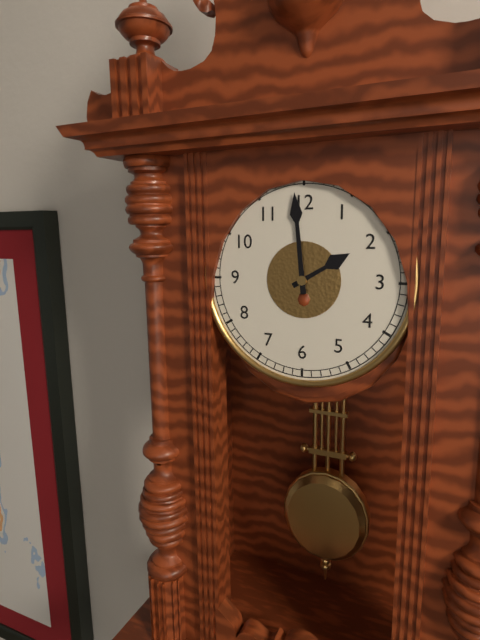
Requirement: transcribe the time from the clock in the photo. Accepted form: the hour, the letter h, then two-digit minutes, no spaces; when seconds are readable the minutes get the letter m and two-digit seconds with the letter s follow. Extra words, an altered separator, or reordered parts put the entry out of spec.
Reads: 1h59
